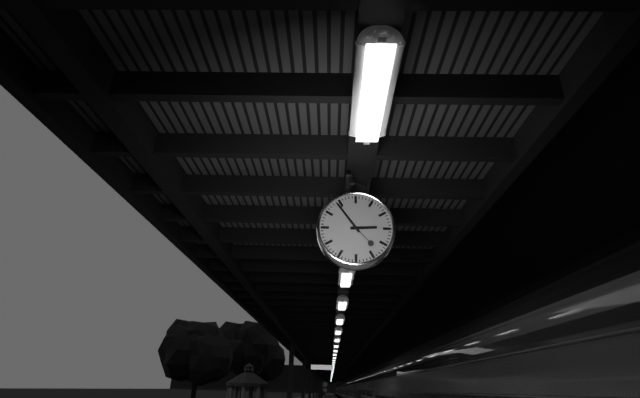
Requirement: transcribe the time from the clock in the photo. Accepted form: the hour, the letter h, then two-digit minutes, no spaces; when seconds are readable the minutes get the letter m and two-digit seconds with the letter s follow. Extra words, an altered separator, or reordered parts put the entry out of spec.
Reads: 2h54
